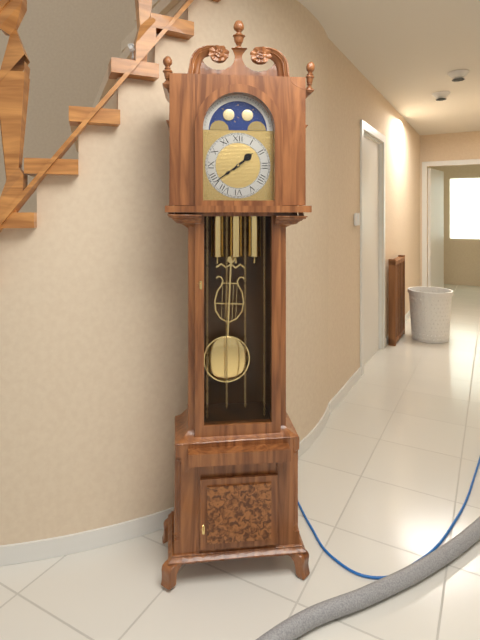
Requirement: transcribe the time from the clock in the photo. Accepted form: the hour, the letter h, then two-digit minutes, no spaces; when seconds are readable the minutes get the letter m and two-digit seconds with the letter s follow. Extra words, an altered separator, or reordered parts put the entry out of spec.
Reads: 1h39
